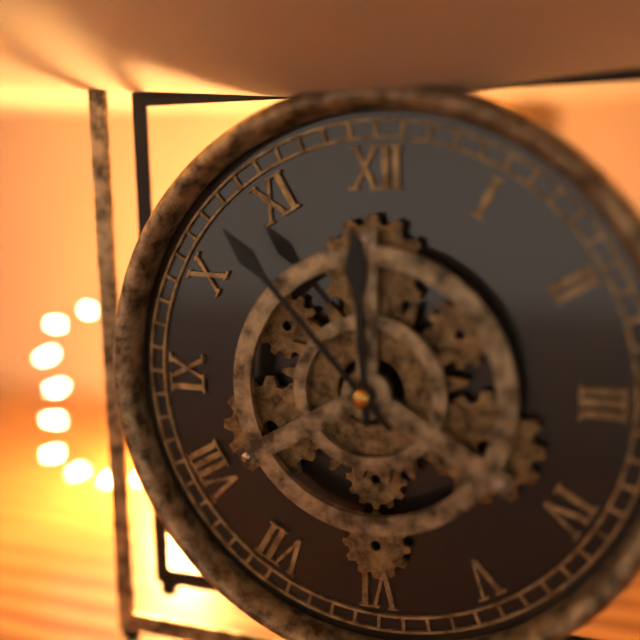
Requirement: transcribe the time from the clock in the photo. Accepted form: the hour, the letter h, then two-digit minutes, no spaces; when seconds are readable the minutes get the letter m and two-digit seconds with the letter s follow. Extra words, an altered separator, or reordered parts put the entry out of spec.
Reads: 11h53
